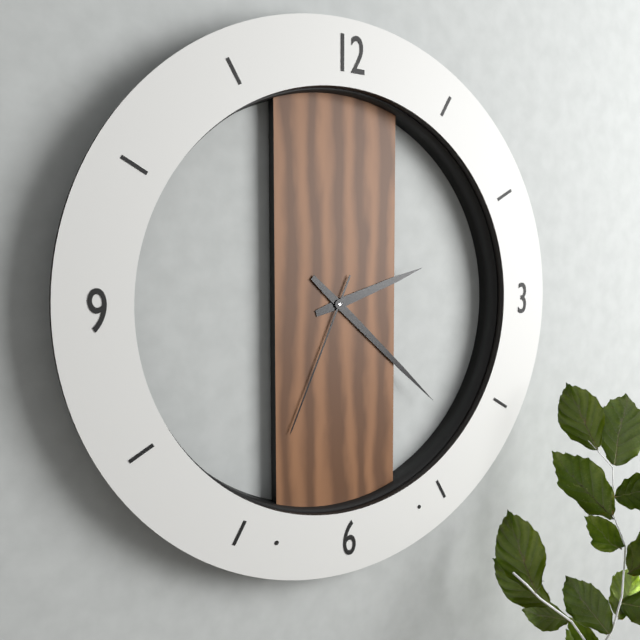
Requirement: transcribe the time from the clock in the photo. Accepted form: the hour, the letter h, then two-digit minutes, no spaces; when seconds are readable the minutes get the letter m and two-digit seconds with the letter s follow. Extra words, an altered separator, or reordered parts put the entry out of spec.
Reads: 2h22m34s
